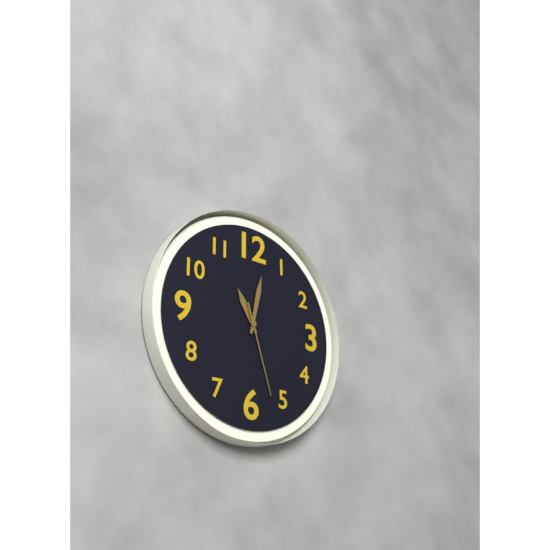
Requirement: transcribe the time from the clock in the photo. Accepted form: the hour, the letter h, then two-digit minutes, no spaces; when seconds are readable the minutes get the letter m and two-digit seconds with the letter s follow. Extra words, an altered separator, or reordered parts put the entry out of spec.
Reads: 11h02m27s
